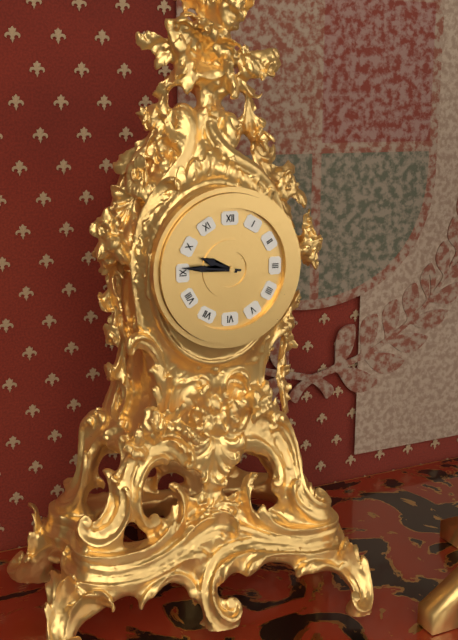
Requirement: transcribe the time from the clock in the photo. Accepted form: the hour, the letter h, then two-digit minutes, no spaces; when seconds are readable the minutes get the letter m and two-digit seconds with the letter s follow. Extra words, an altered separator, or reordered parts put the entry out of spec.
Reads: 9h46
